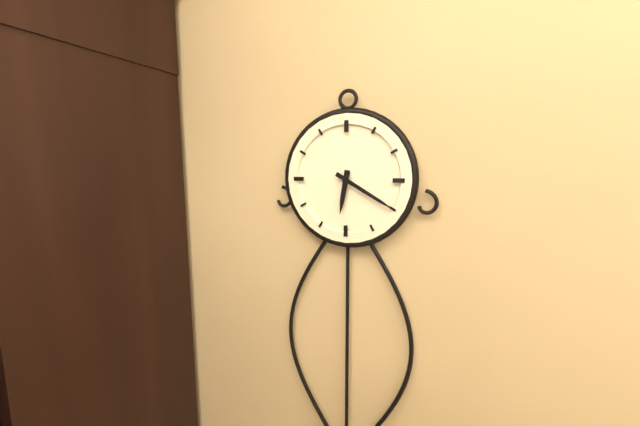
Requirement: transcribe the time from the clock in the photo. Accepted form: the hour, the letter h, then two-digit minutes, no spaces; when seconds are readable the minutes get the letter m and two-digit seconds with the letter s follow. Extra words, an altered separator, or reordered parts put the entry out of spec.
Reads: 6h20
